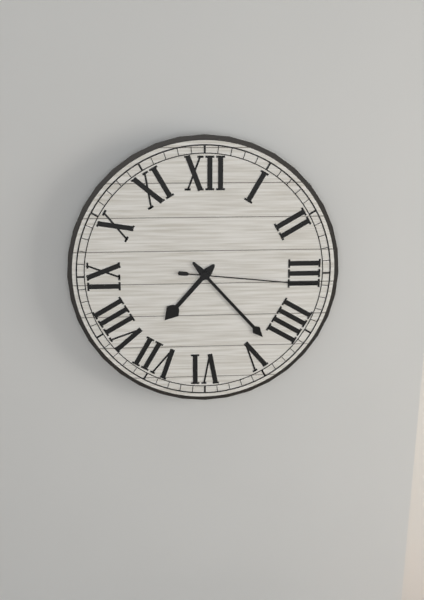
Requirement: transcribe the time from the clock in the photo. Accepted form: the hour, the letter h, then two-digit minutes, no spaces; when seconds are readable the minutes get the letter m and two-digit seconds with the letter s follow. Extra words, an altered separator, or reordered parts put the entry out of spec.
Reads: 7h23m16s
